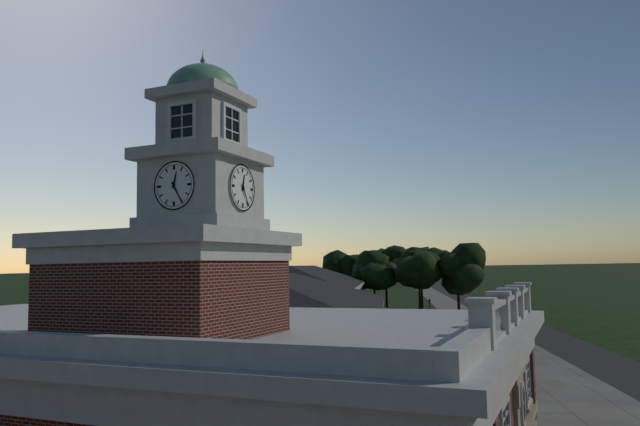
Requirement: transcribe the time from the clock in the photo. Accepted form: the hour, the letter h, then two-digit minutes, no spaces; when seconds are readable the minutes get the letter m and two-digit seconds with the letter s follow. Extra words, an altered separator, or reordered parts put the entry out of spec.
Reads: 12h25
